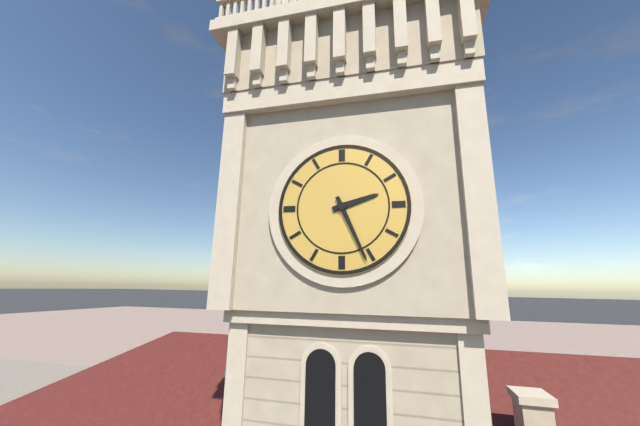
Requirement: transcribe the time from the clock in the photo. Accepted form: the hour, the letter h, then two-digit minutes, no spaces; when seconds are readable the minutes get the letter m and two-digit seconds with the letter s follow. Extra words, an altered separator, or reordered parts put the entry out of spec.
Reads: 2h26
